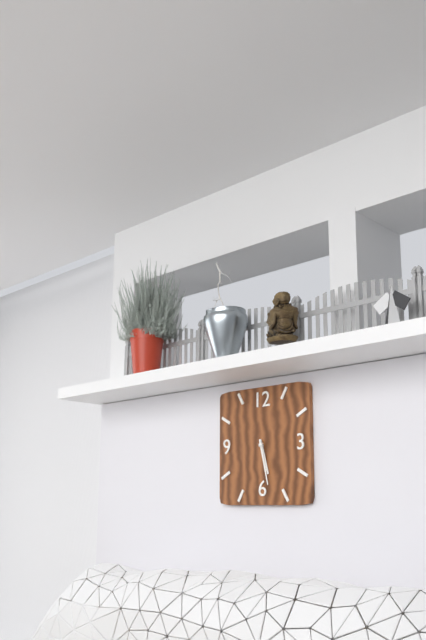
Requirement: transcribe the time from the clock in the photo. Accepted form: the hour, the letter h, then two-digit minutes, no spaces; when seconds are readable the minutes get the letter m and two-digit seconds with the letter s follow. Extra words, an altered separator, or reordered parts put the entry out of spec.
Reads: 5h28
